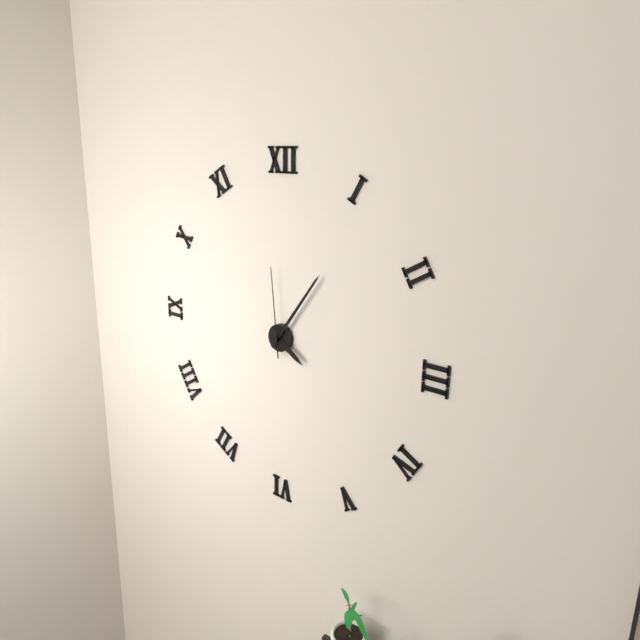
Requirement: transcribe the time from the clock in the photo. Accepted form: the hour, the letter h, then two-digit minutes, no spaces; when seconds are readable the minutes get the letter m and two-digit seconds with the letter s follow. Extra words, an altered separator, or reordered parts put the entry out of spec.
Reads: 4h06m59s
